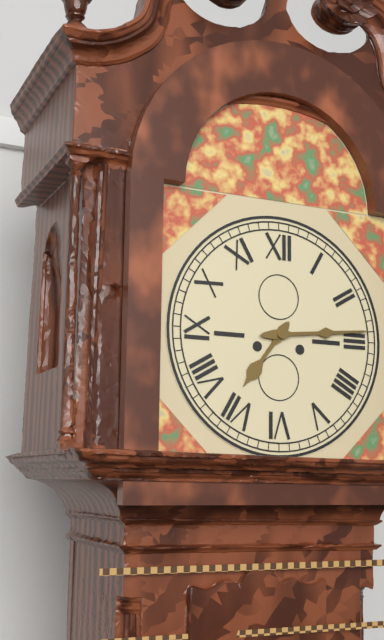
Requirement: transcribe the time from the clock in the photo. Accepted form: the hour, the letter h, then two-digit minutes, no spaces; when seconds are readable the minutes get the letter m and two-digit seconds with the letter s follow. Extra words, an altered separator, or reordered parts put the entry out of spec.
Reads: 7h14
